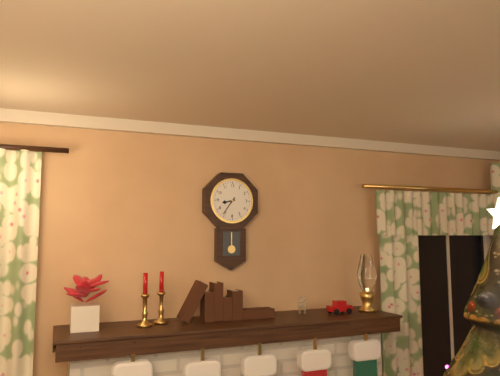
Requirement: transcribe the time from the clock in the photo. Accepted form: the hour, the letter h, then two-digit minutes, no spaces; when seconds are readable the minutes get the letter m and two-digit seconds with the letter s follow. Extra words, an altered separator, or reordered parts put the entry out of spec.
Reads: 8h36
